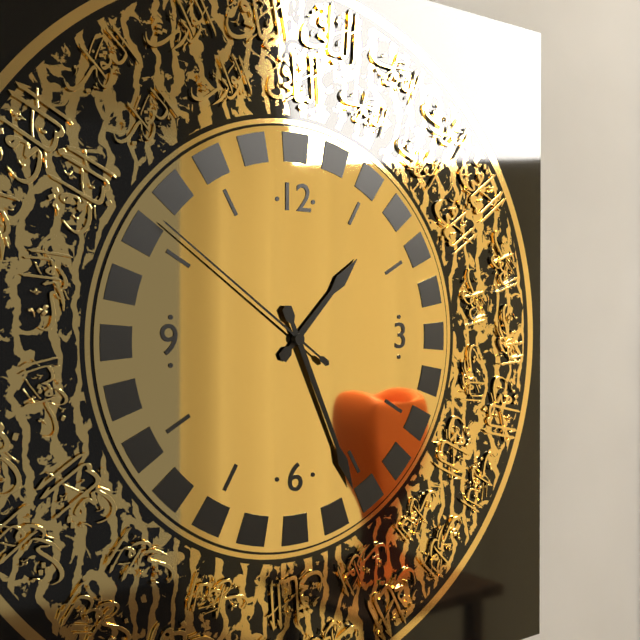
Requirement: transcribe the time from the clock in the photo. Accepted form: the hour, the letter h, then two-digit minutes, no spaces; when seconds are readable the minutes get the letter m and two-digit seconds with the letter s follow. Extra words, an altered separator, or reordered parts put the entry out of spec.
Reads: 1h26m51s
